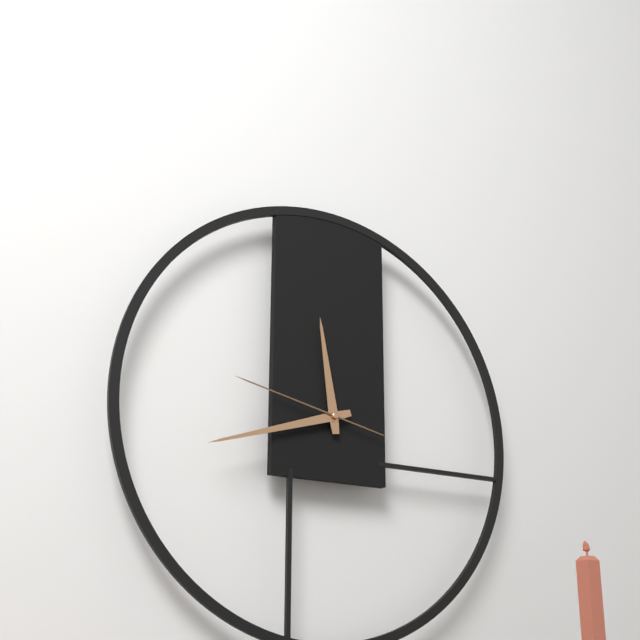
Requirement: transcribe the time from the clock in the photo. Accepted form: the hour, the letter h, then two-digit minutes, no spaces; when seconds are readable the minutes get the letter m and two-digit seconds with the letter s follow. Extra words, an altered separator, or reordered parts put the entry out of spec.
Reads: 11h42m47s
